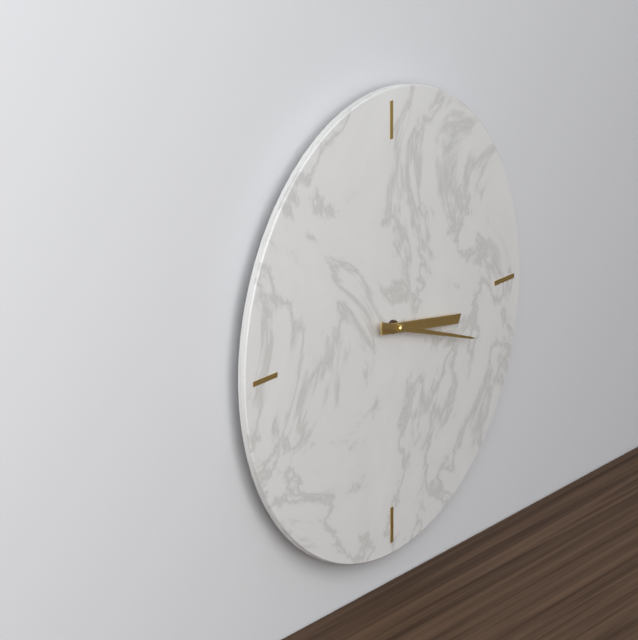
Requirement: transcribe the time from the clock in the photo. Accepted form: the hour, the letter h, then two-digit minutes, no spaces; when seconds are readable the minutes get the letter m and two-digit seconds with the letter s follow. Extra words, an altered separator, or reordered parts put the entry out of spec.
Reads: 3h18
